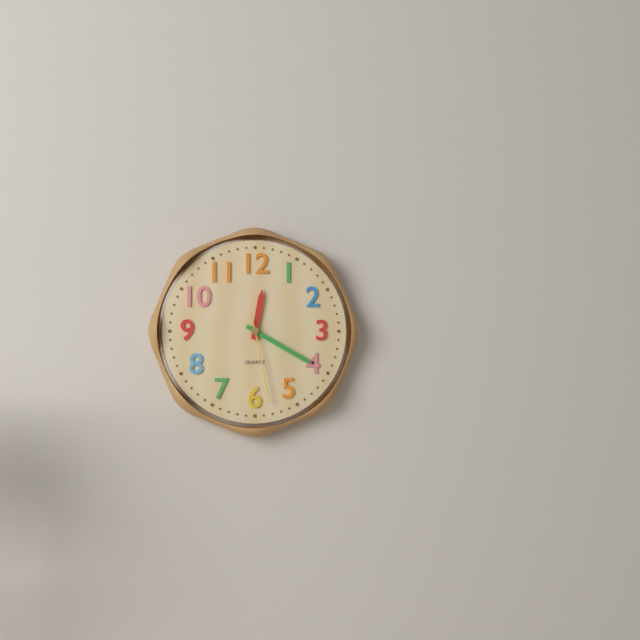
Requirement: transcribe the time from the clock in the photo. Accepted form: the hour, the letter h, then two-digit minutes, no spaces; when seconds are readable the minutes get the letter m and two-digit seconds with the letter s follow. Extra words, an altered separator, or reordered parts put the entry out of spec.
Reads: 12h20m28s
